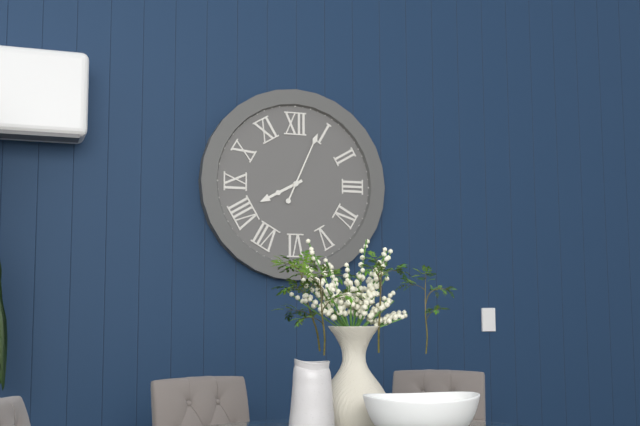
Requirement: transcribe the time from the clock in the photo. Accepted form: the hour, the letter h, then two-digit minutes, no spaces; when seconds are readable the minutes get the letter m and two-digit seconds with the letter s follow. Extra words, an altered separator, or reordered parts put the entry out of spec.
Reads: 8h04
